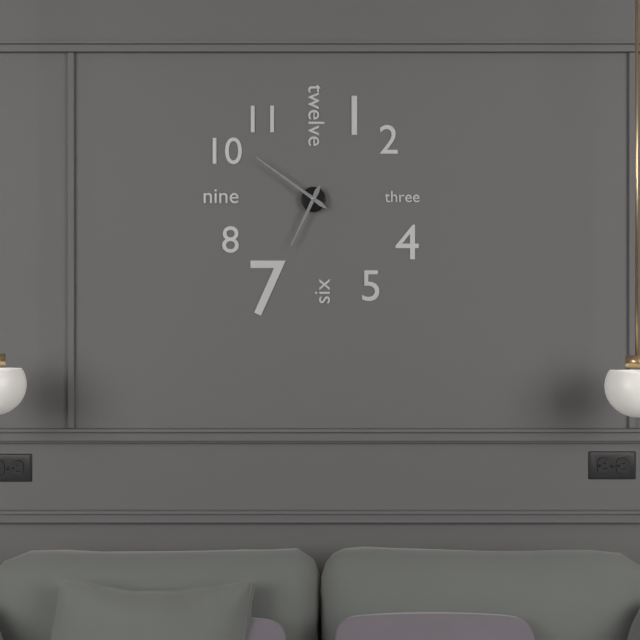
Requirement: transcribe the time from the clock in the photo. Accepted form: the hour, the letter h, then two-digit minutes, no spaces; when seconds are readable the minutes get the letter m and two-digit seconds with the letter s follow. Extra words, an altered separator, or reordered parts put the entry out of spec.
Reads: 6h51
